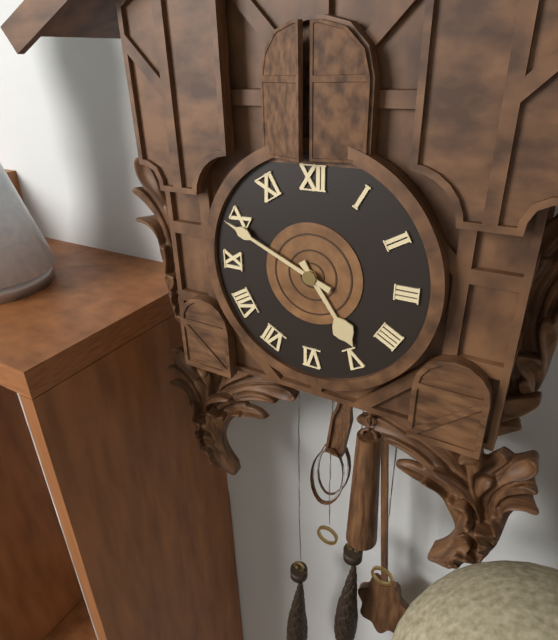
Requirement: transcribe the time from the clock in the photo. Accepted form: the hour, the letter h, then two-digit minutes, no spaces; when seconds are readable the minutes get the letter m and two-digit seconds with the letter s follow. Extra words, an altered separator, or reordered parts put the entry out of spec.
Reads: 4h49
